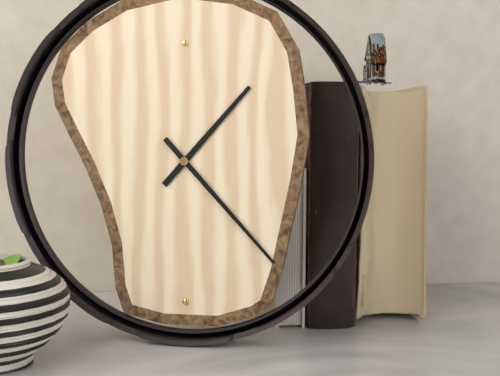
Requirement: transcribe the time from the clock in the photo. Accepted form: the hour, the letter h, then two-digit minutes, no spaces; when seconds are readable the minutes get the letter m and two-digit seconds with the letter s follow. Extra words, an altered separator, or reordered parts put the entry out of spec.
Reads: 1h23
